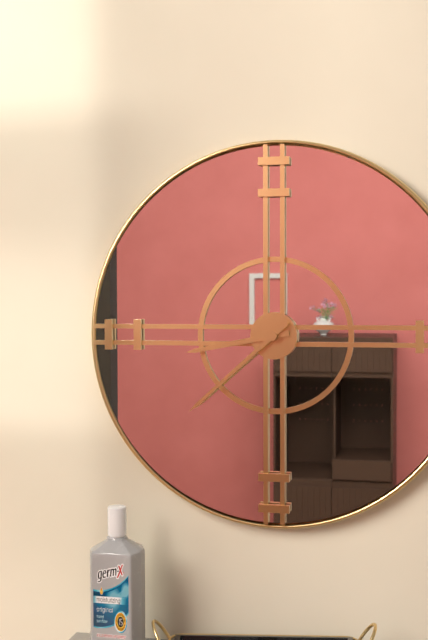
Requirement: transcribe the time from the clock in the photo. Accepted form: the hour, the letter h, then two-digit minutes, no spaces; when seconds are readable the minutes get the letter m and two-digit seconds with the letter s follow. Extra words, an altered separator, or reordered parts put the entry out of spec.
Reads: 8h38
